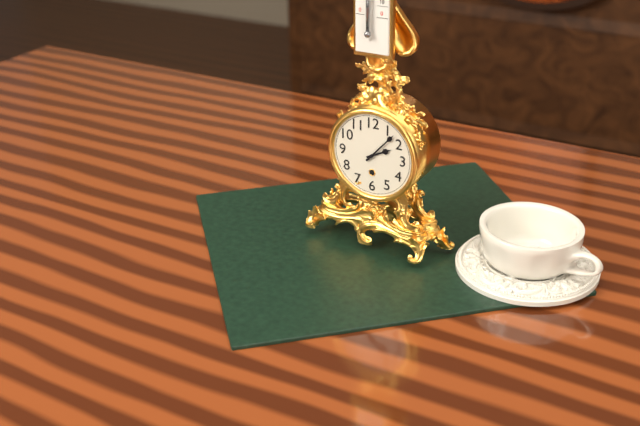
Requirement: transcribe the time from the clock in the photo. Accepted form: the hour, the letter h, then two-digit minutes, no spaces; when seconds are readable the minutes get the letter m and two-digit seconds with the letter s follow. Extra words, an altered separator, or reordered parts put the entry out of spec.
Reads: 2h07
